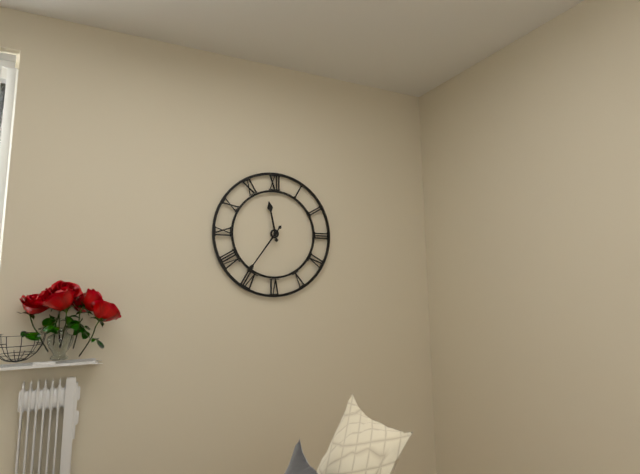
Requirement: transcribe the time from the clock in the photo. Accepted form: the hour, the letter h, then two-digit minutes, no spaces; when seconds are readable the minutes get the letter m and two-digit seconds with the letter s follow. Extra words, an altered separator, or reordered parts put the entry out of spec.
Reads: 11h36
